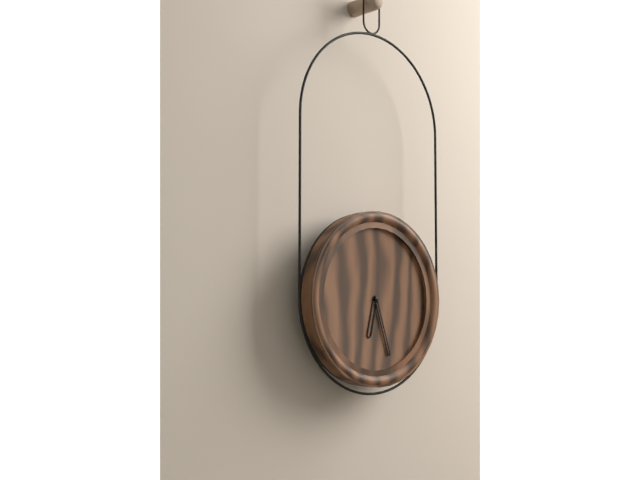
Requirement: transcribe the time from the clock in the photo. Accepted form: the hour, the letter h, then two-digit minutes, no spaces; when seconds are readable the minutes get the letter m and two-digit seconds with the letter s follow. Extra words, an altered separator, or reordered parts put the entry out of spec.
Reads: 6h27
